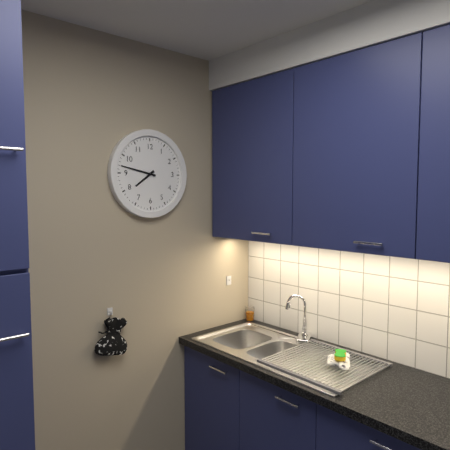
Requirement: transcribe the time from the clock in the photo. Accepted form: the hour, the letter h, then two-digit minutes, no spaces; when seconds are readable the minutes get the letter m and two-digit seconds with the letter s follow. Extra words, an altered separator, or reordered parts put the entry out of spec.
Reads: 7h47
